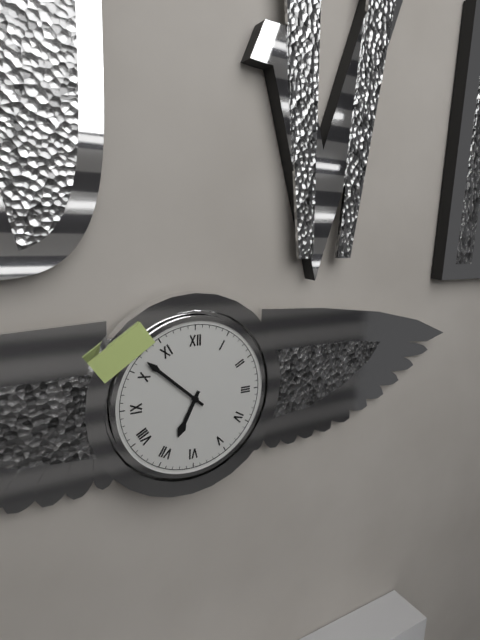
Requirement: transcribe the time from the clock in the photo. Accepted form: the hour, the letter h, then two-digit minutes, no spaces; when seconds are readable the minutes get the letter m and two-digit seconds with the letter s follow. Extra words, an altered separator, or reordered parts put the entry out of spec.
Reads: 6h52
